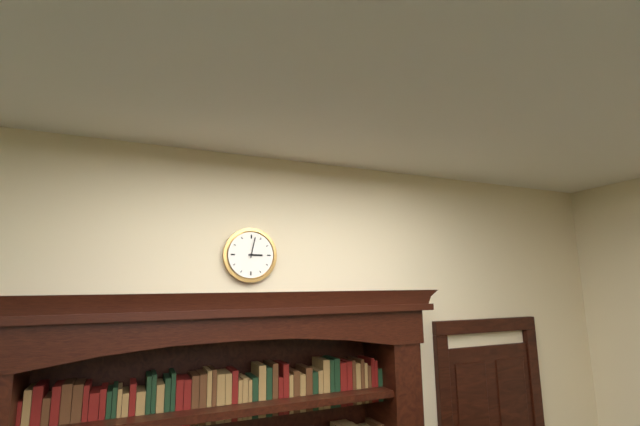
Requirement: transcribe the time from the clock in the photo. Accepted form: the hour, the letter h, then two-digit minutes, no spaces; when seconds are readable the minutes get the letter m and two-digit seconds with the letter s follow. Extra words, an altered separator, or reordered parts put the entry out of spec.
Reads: 3h02
